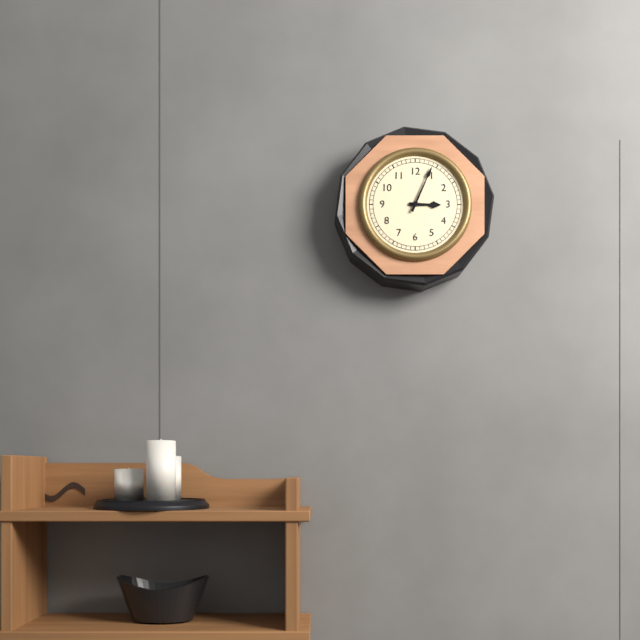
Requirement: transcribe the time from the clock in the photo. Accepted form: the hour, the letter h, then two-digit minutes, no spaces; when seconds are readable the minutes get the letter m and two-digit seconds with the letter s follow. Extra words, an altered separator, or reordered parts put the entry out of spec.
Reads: 3h04
